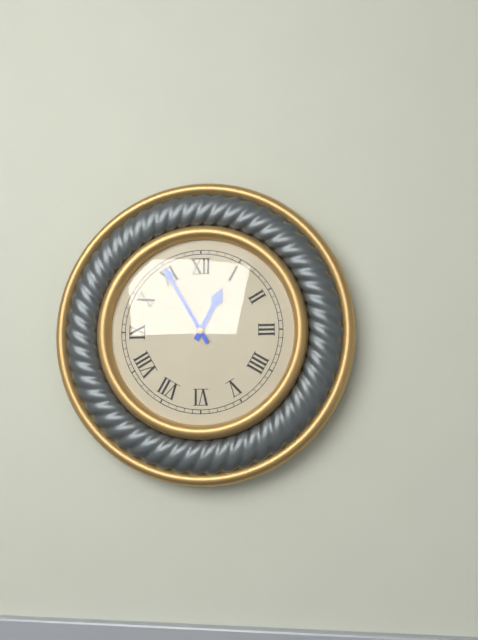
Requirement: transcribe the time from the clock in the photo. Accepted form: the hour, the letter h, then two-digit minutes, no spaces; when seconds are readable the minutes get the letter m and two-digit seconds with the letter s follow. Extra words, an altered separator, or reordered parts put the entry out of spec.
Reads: 12h55
